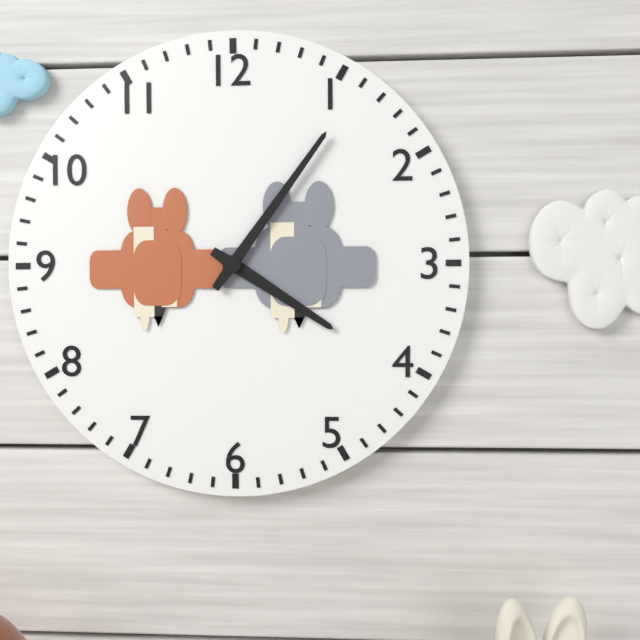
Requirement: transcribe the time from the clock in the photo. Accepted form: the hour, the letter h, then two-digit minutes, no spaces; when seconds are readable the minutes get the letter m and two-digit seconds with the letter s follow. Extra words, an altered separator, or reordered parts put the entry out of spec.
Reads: 4h06
